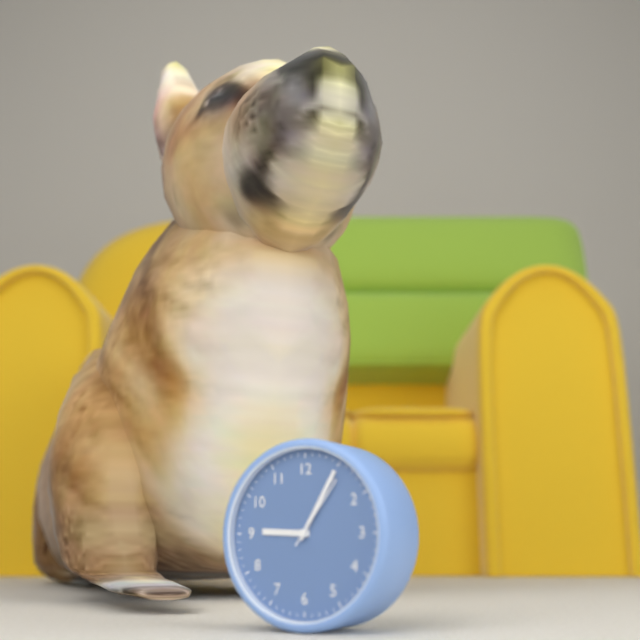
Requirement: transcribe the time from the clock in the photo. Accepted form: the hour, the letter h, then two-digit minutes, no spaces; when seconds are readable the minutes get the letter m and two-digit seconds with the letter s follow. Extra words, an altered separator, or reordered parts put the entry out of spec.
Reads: 9h05m06s
